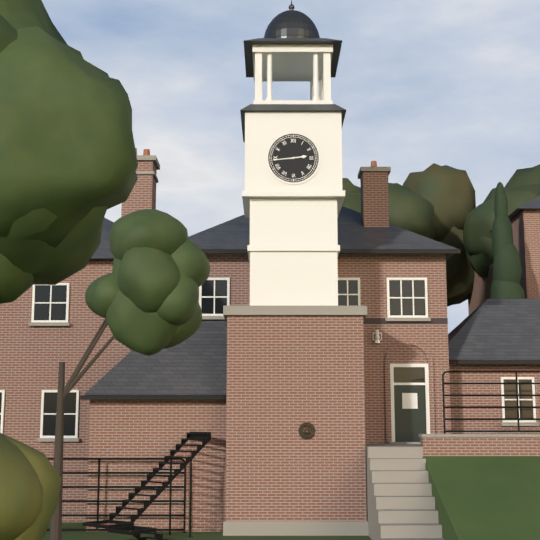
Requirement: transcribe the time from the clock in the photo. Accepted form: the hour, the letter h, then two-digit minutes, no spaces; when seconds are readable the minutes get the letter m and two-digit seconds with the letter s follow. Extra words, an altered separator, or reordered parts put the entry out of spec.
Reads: 2h44
